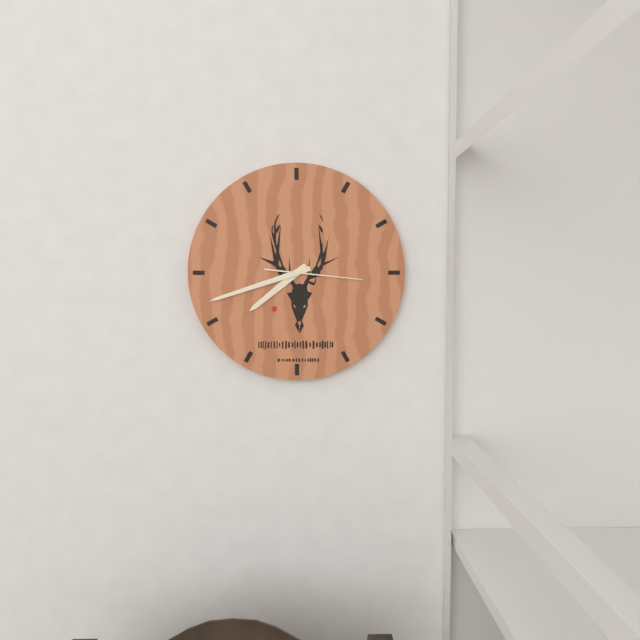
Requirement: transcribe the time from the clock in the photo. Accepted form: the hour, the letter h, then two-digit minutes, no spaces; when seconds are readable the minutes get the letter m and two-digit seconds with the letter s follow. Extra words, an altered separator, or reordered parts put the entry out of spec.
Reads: 7h42m16s
